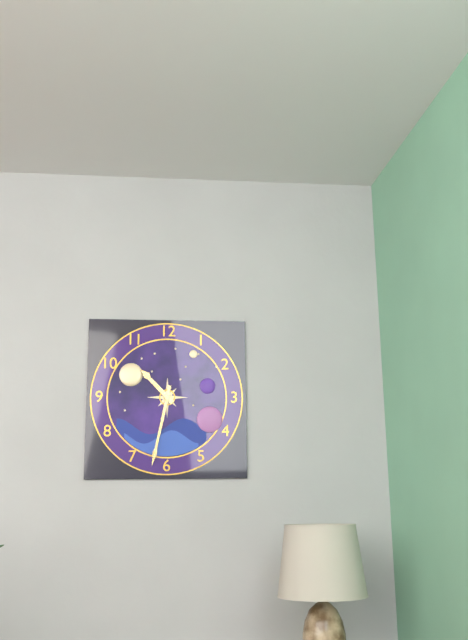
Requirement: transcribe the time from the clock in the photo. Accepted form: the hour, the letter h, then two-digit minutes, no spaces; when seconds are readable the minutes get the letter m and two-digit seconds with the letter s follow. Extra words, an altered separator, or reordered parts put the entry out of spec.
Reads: 10h32
